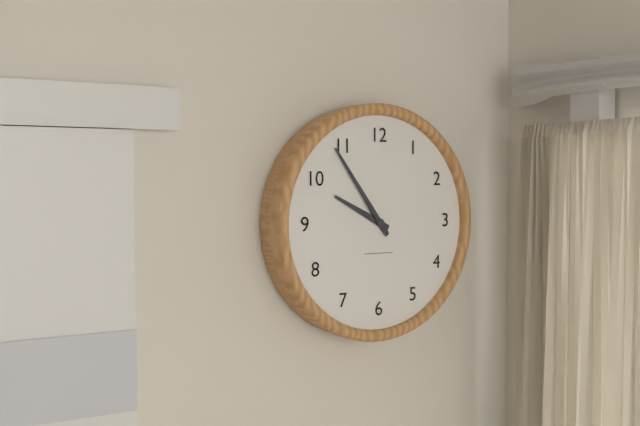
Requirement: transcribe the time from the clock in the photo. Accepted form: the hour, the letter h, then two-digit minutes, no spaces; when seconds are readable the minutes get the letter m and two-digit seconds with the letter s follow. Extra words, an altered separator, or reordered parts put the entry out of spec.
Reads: 9h54
